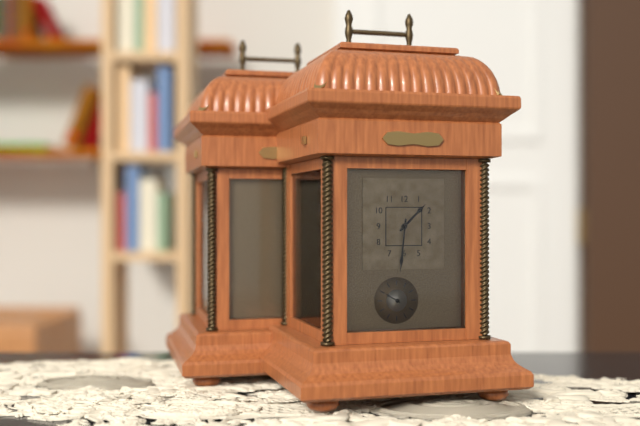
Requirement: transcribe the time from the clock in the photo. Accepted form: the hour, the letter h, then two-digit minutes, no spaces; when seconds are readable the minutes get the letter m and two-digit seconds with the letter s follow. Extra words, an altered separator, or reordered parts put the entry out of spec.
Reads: 1h31
